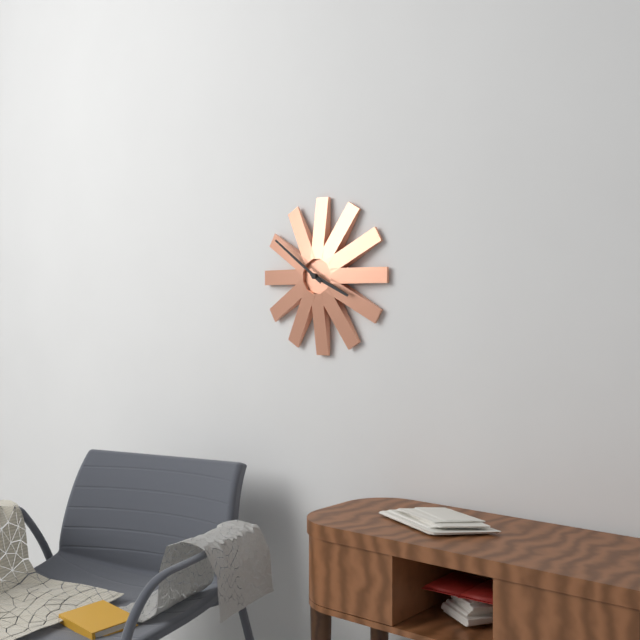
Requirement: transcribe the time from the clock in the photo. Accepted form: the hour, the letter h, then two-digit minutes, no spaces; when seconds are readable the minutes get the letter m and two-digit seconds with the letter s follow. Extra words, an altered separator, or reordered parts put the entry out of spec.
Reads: 3h51
